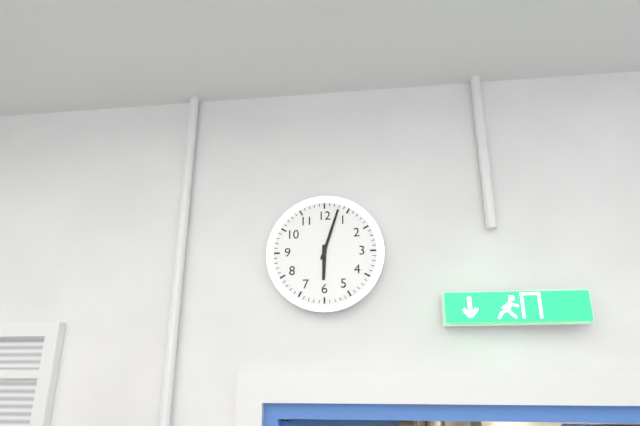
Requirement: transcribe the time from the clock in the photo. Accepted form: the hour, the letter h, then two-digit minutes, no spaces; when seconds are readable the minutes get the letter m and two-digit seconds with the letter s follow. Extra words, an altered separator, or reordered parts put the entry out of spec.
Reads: 6h03
